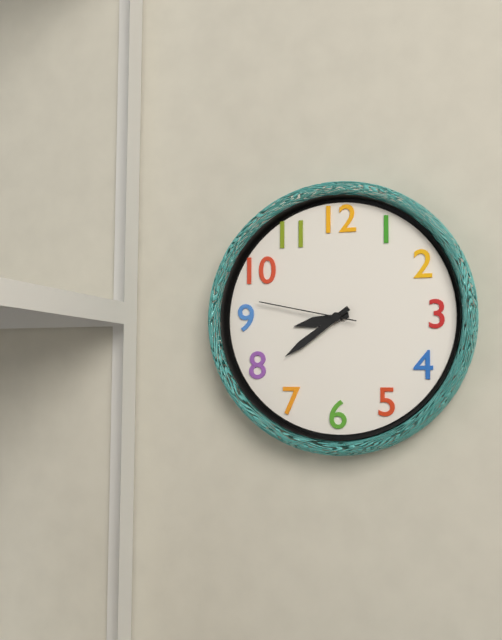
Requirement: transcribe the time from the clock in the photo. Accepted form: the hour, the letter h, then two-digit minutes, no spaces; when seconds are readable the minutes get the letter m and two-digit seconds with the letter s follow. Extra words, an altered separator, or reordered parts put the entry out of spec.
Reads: 8h39m47s
